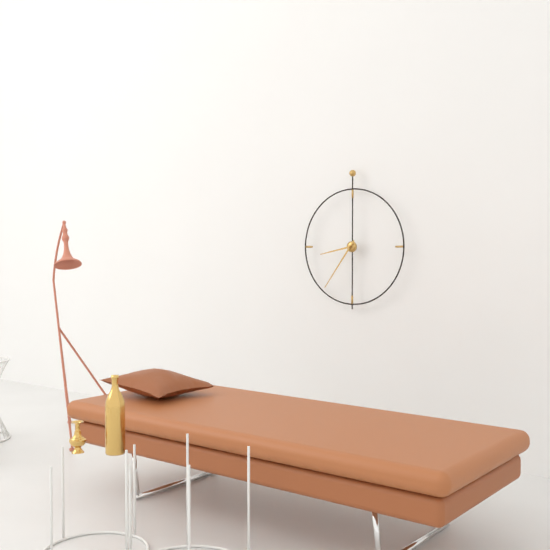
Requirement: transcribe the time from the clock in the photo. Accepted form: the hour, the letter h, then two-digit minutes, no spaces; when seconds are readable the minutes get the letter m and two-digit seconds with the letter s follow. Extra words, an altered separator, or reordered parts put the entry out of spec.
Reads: 8h36
